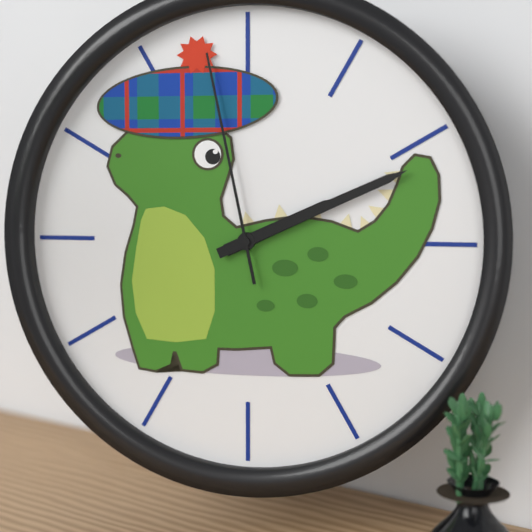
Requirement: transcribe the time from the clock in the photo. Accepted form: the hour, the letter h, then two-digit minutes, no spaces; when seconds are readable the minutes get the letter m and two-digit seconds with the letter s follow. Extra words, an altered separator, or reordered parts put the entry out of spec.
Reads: 2h11m58s
